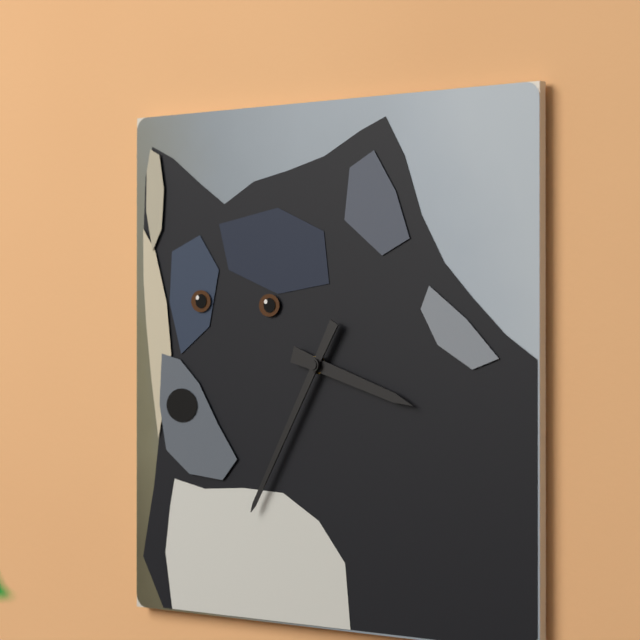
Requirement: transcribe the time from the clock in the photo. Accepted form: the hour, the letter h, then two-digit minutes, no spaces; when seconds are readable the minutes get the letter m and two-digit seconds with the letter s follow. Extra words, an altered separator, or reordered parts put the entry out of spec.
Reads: 3h35
